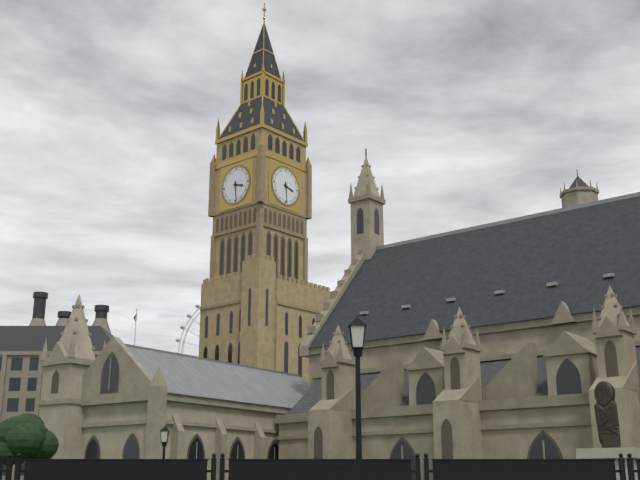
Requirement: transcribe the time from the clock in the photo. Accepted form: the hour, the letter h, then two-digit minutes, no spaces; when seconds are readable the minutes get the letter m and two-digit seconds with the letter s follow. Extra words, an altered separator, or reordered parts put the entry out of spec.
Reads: 3h29
